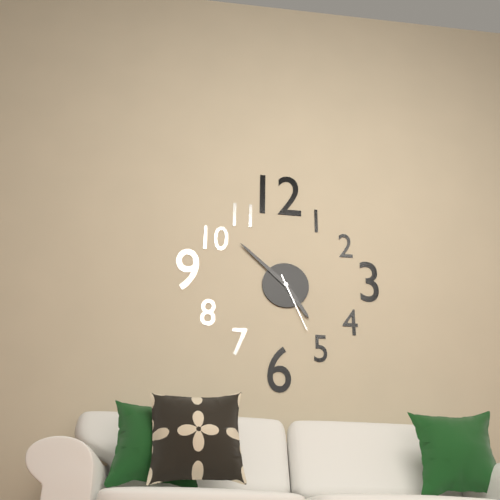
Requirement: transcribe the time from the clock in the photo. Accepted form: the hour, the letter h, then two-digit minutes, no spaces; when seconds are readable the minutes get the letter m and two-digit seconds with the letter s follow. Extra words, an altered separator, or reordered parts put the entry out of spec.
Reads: 4h52m26s
